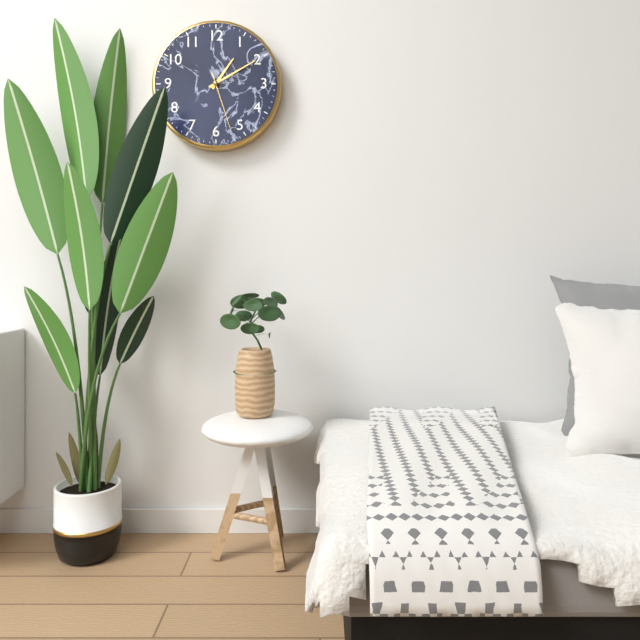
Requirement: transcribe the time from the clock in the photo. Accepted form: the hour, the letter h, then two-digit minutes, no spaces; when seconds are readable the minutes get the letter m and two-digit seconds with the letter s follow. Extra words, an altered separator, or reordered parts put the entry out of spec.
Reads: 1h10m27s
